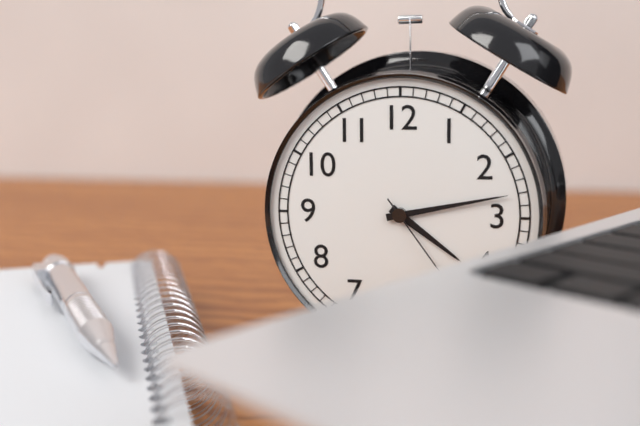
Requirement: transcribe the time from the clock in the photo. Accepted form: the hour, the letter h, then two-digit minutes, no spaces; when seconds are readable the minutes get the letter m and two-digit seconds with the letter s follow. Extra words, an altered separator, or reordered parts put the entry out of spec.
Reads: 4h13m24s
